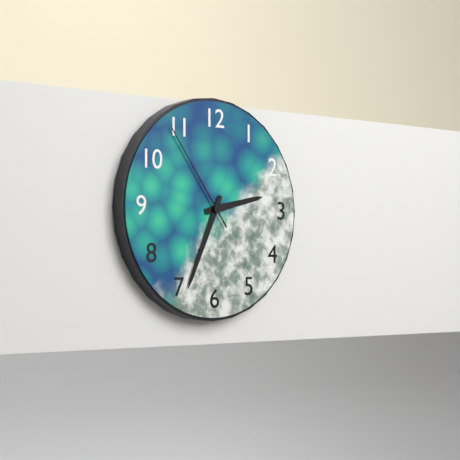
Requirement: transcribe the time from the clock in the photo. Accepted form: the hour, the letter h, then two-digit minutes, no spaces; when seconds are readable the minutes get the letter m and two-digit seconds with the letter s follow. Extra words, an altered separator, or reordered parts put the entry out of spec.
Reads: 2h34m54s
